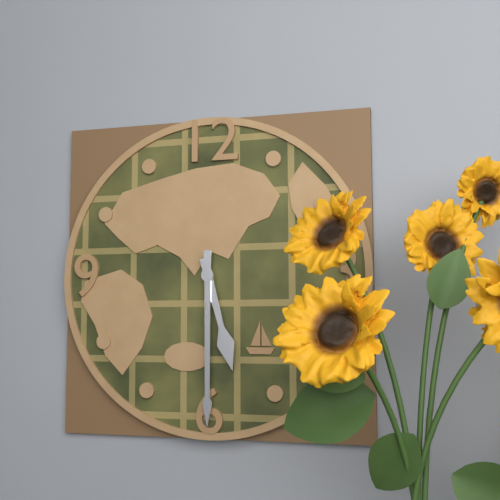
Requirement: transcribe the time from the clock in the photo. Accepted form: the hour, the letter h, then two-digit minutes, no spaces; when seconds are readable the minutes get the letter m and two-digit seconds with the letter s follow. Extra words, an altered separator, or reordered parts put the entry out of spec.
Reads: 5h30
